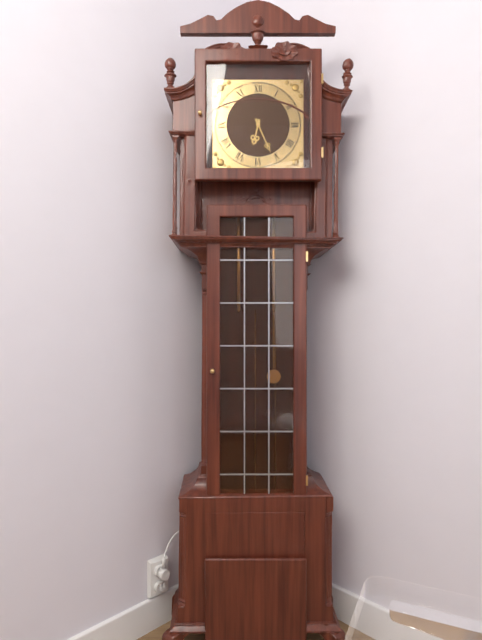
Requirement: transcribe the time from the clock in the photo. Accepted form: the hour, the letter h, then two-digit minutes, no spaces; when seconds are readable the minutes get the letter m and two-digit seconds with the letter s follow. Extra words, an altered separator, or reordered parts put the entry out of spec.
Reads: 6h26
